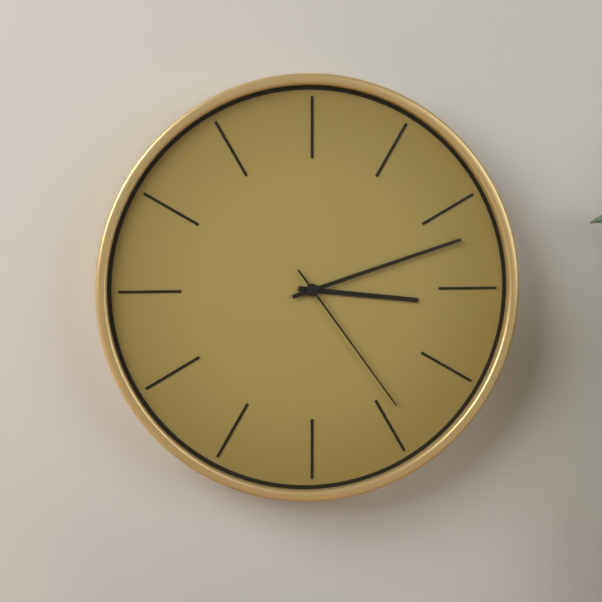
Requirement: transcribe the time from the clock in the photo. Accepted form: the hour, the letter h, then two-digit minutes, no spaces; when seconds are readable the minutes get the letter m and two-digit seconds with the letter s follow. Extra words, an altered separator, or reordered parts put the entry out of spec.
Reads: 3h12m24s
